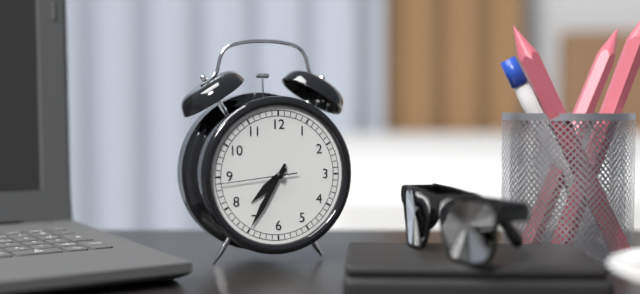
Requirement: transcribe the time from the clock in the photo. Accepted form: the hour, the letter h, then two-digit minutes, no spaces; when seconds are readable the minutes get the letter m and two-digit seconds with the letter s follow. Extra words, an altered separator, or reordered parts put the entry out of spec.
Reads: 7h35m44s
